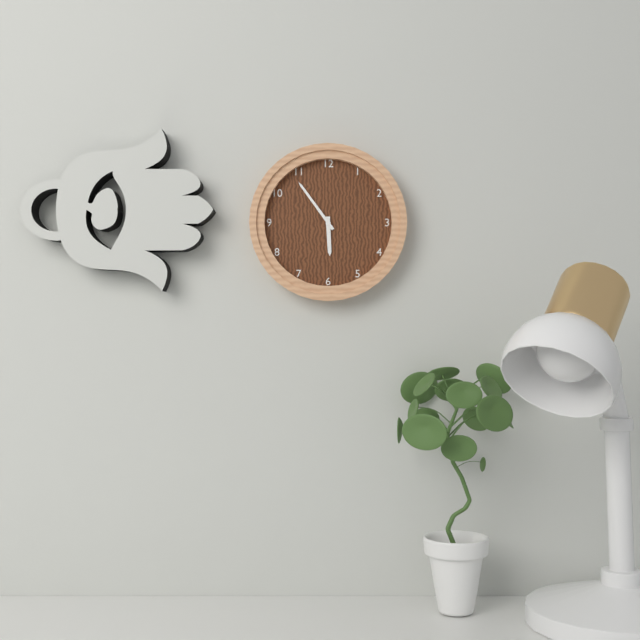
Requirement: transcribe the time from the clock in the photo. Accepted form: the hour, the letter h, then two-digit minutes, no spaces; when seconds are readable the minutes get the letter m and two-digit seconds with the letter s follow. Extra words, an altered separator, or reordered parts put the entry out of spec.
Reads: 5h54
